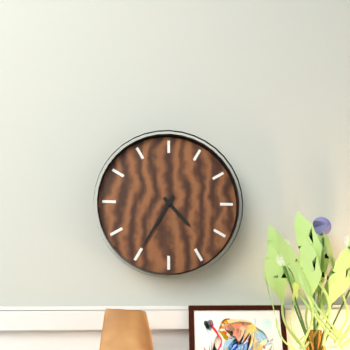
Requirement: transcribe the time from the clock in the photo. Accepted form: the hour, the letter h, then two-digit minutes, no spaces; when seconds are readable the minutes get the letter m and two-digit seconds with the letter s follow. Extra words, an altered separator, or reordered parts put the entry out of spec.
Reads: 4h35
